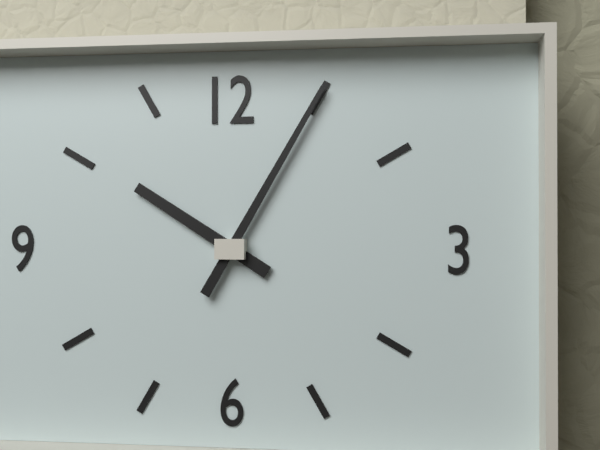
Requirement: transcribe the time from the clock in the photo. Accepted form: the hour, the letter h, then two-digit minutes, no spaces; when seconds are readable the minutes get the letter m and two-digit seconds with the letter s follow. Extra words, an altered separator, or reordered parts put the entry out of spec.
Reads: 10h05
